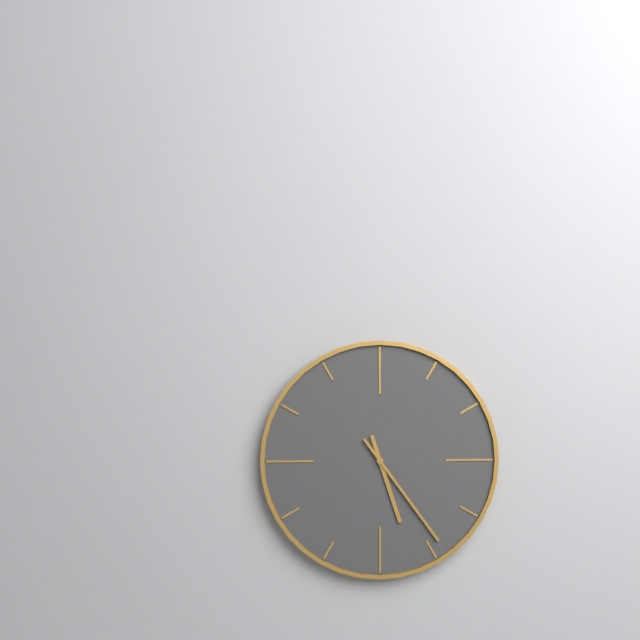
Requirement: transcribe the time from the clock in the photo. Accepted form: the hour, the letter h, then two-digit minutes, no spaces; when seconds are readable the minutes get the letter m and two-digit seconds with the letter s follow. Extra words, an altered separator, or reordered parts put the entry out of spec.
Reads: 5h24
